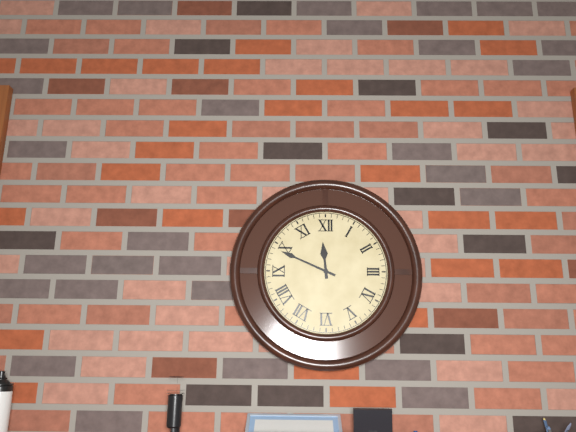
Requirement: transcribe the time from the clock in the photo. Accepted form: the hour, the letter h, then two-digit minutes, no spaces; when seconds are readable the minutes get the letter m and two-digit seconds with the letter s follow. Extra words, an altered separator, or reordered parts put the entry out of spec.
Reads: 11h49
